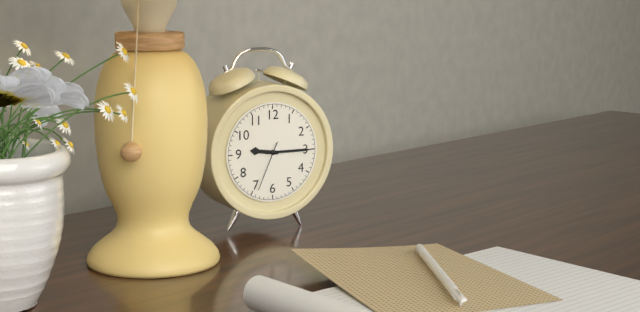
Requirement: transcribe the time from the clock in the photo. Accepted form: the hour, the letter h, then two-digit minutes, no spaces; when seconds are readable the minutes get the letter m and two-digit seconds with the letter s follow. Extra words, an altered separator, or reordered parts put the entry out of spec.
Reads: 9h15m34s
